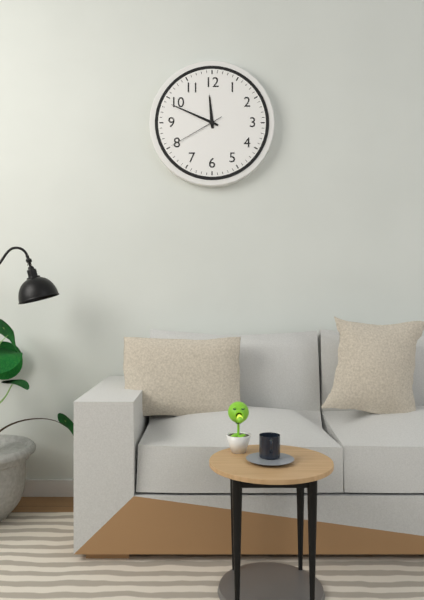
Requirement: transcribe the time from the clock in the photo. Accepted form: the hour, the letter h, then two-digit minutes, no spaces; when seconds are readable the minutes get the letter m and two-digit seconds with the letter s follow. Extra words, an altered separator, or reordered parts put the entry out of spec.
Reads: 11h49m40s
